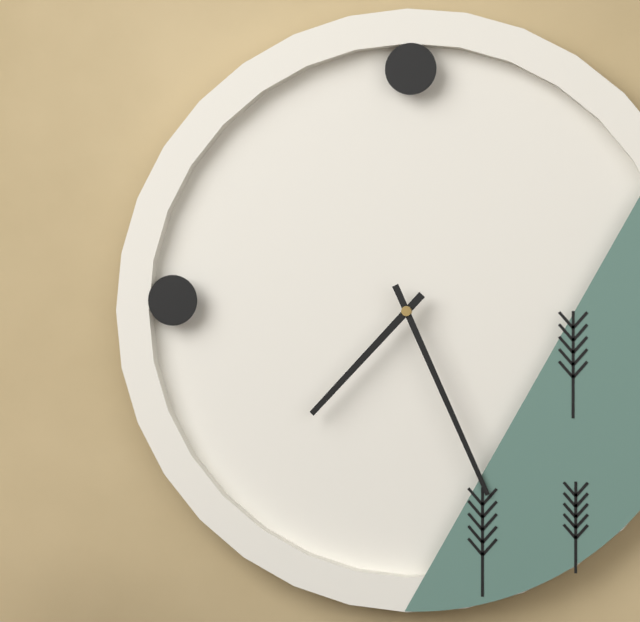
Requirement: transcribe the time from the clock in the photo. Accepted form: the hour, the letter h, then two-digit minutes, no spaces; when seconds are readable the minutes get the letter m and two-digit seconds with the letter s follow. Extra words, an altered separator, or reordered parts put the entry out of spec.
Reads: 7h26
